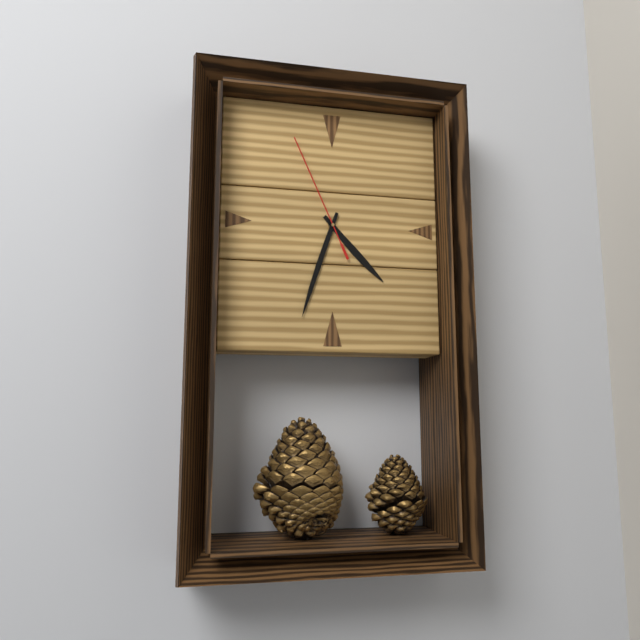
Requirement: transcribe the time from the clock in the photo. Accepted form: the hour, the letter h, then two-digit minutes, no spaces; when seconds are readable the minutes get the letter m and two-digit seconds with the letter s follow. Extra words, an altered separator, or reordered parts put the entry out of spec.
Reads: 4h33m56s
